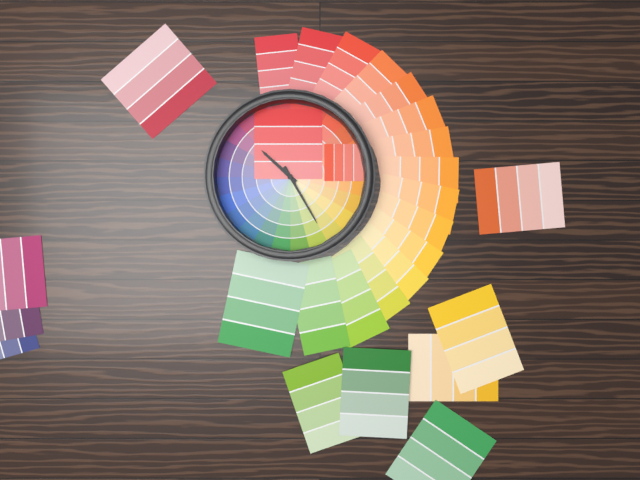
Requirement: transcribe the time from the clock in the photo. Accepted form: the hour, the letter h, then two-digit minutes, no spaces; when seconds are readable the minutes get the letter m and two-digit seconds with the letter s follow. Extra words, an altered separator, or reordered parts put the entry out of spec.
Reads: 10h25
